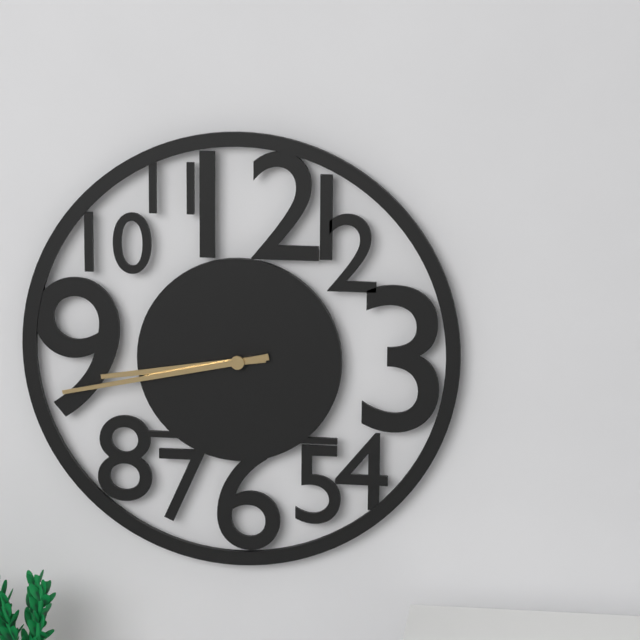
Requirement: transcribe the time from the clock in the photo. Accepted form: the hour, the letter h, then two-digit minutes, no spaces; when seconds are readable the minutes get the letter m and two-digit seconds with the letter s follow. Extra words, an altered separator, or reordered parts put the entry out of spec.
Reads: 8h43
